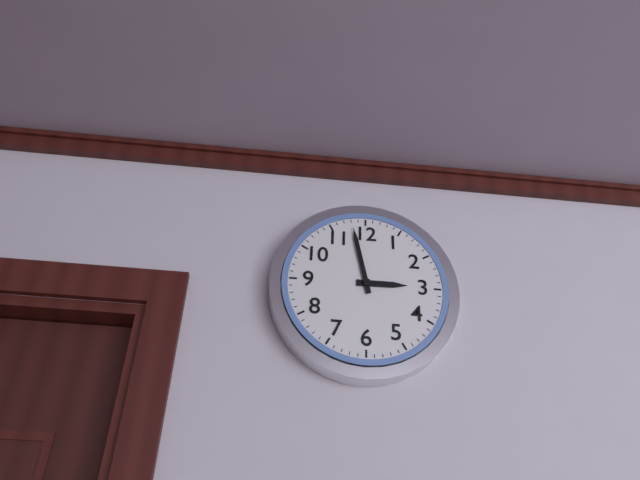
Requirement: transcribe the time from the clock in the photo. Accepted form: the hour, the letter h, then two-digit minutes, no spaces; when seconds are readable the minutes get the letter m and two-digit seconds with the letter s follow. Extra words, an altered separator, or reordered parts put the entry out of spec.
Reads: 2h58
